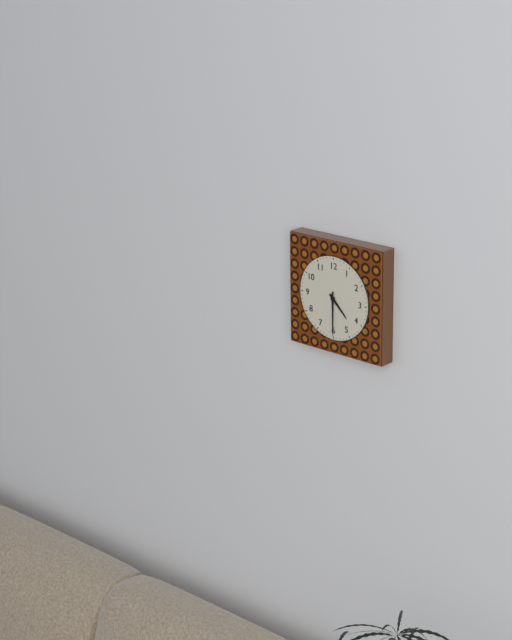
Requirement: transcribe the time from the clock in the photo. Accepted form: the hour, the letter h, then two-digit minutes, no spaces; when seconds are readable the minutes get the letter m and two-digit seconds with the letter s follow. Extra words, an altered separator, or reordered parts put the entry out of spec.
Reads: 4h30
